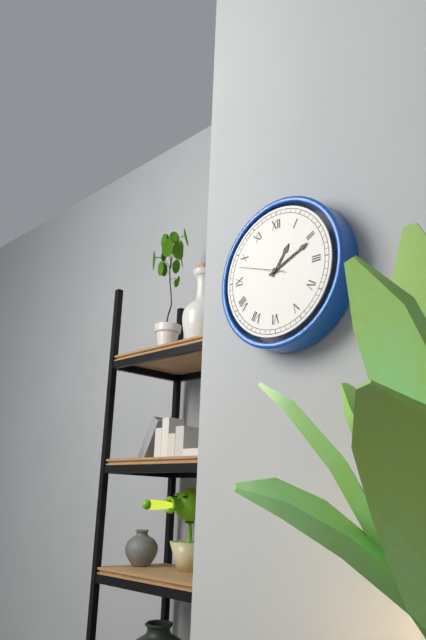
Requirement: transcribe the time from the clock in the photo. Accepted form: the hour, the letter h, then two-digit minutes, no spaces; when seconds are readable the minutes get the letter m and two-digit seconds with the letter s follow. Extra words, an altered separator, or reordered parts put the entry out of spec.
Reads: 1h11
